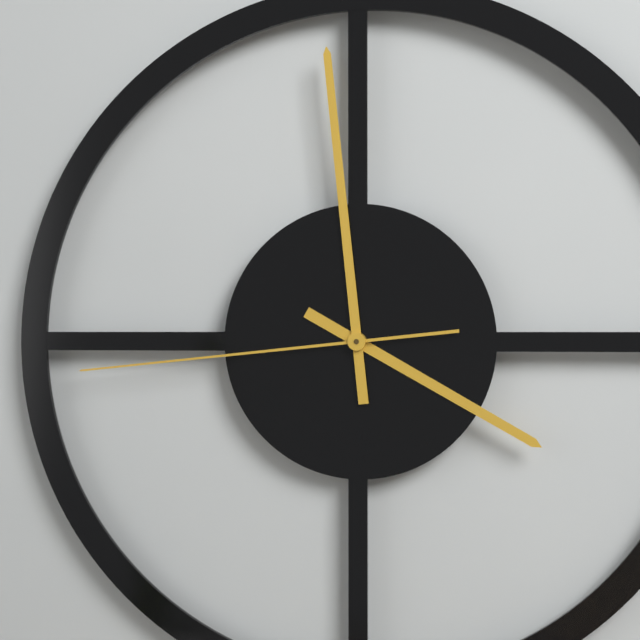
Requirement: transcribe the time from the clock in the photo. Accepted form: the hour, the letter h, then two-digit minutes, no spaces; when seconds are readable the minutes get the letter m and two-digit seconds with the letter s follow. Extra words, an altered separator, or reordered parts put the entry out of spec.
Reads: 3h59m44s
